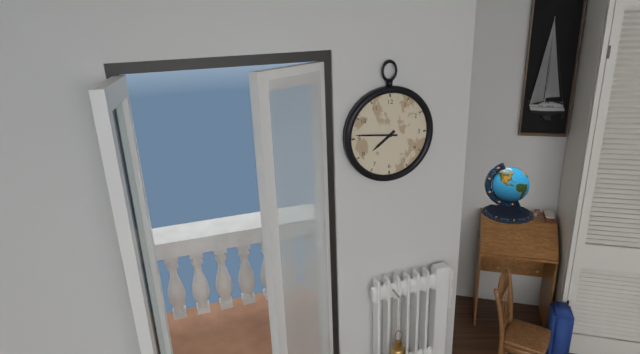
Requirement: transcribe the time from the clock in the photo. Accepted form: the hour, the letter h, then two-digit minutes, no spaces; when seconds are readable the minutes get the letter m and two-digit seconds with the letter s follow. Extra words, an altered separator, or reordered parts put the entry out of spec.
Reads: 7h46
